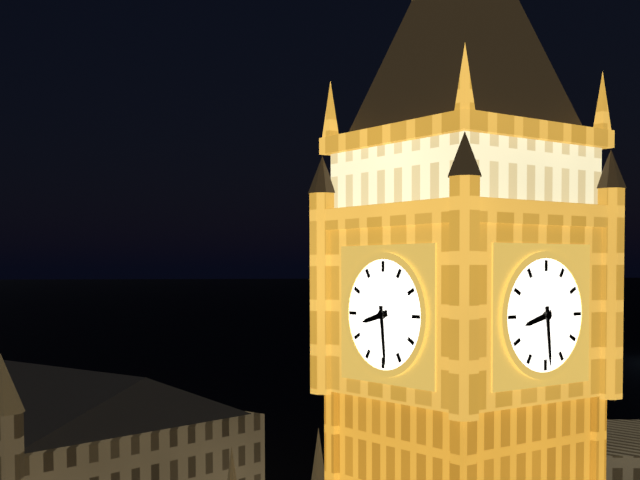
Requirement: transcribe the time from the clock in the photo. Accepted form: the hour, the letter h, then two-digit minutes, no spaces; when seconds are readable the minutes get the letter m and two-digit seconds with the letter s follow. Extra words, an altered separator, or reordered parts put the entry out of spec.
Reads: 8h29
